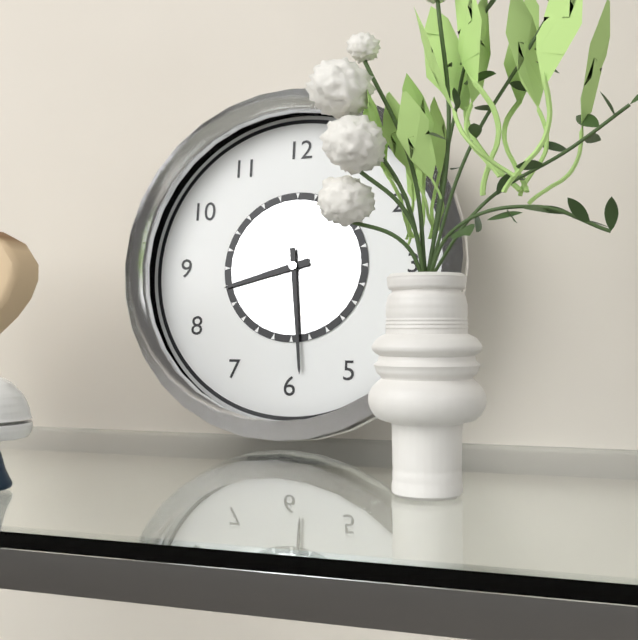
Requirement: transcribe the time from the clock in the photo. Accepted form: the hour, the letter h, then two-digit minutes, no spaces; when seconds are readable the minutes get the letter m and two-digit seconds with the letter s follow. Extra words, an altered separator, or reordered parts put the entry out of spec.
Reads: 8h29
